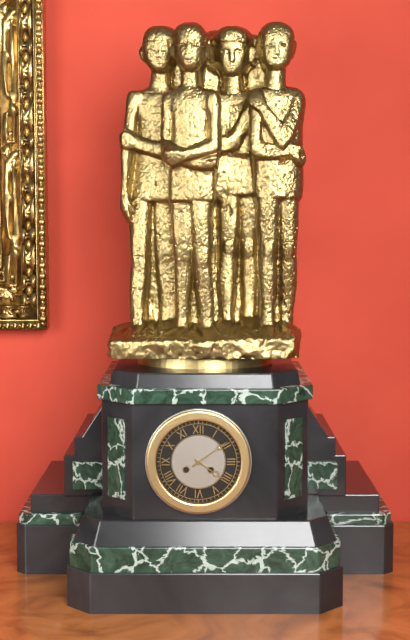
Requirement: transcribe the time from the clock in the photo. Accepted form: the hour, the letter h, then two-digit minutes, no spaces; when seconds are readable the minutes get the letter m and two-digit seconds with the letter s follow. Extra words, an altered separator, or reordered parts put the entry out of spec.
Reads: 4h09
